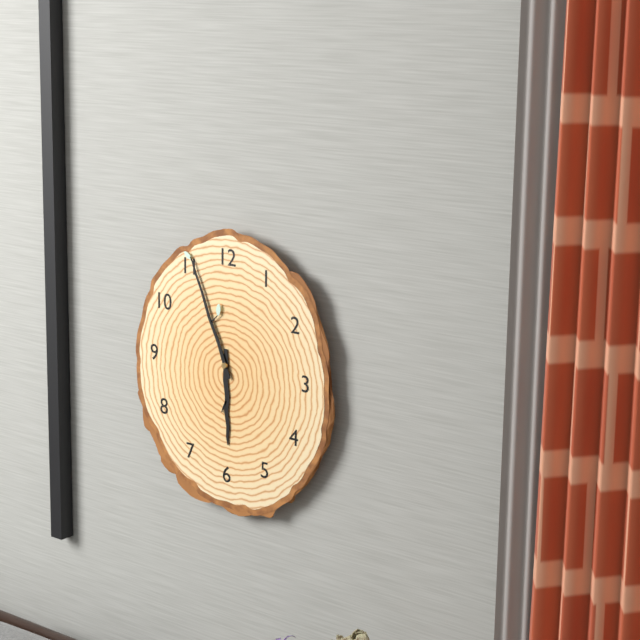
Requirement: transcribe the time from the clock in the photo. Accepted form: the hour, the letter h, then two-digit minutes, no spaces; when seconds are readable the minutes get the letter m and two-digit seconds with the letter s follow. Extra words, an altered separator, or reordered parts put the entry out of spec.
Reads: 5h56
